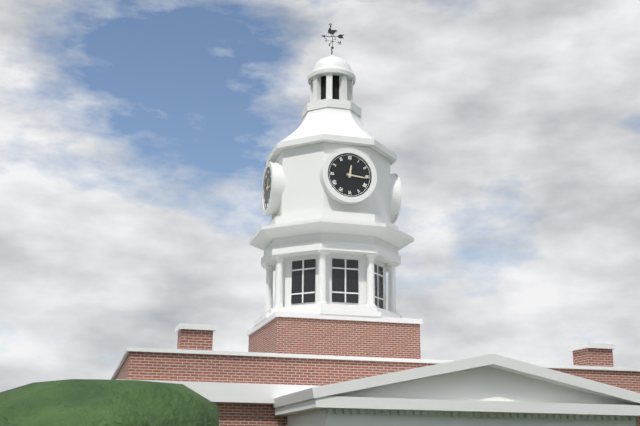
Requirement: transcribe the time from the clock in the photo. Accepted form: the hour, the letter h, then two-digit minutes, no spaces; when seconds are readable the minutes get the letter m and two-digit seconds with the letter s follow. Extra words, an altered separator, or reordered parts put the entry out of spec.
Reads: 12h16
